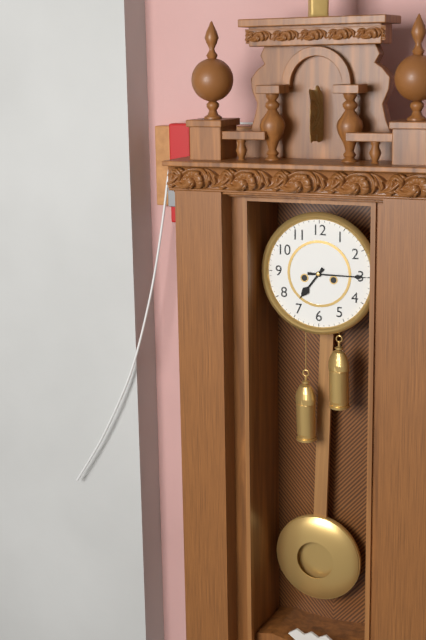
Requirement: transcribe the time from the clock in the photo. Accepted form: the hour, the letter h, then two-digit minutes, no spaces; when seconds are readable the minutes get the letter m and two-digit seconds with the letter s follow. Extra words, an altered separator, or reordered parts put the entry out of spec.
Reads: 7h15
